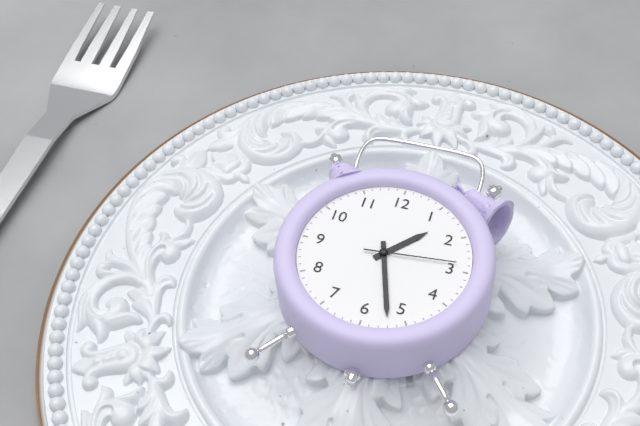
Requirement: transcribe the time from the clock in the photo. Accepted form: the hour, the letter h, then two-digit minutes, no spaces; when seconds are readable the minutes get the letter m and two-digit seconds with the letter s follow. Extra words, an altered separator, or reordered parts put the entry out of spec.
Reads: 1h27m14s
